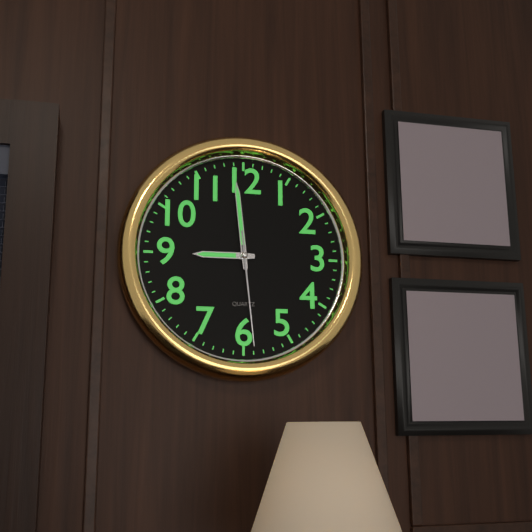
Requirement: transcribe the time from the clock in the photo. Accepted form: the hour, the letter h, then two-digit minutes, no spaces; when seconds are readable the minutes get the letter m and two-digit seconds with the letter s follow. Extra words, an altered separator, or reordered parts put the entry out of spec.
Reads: 8h59m29s
